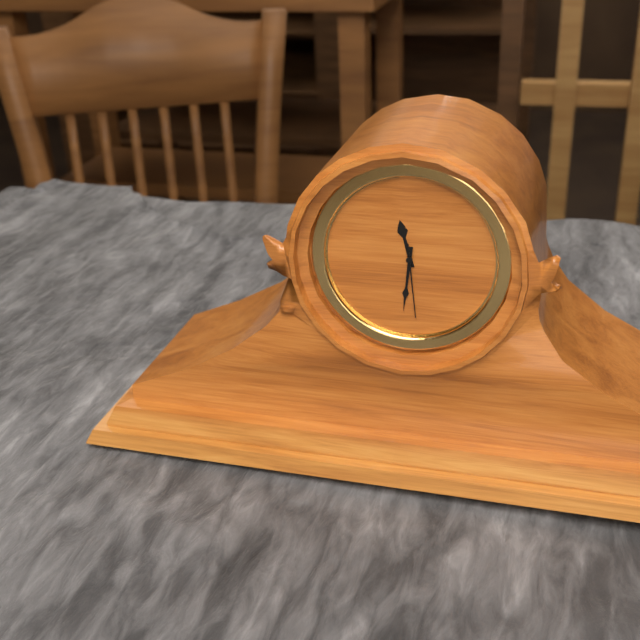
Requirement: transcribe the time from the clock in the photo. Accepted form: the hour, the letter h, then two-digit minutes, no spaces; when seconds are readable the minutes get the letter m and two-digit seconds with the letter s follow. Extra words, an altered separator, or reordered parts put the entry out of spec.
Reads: 11h31m29s
